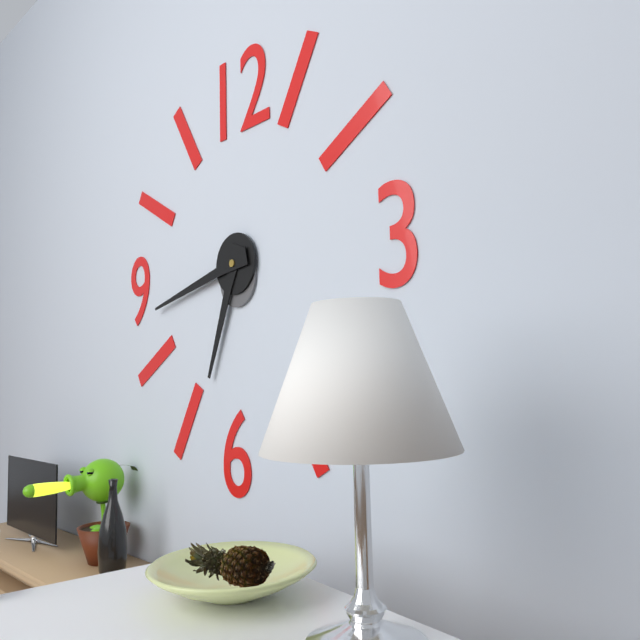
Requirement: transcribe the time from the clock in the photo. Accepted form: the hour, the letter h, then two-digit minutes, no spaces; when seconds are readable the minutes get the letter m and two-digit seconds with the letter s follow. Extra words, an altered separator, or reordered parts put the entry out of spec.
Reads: 6h43
